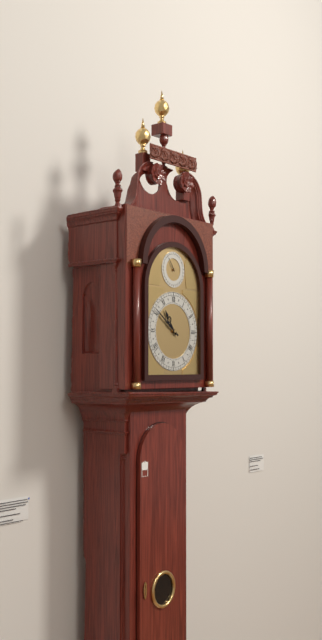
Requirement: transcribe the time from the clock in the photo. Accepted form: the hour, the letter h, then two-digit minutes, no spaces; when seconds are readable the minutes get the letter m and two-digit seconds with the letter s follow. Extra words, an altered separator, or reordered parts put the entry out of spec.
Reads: 10h51
